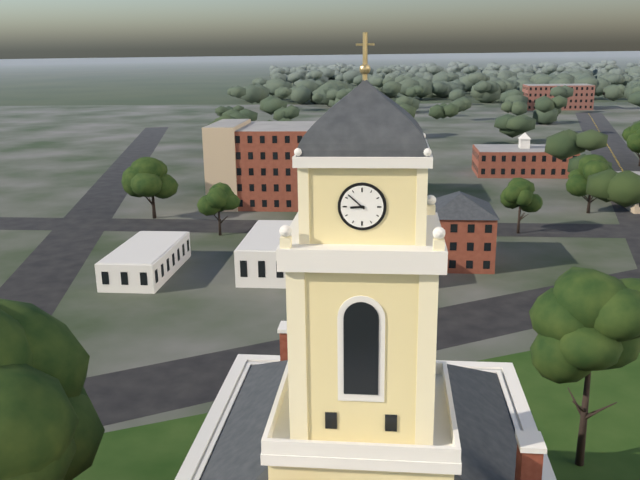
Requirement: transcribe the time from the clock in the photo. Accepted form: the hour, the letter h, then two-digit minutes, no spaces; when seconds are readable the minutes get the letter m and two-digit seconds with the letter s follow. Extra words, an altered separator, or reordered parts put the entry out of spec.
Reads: 8h52
